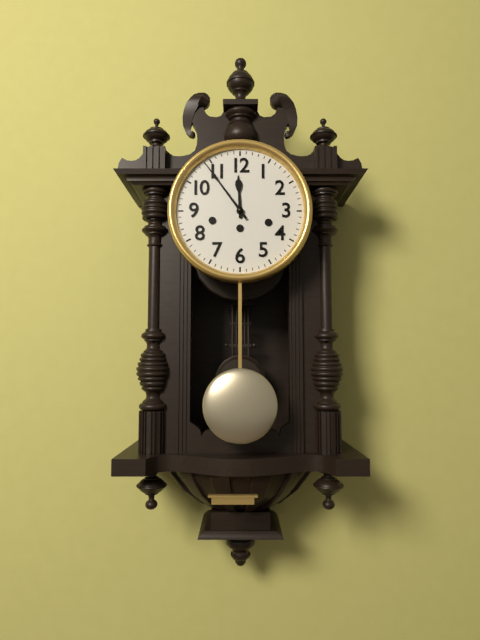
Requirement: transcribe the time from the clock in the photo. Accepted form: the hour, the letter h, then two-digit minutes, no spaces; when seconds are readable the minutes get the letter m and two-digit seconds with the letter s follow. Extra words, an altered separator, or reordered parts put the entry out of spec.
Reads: 11h54
